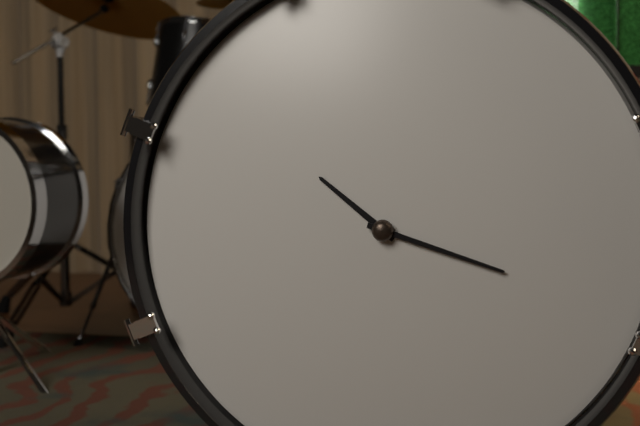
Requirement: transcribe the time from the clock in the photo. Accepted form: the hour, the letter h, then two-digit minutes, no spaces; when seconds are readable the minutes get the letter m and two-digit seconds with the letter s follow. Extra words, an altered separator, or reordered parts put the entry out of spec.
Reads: 10h18
